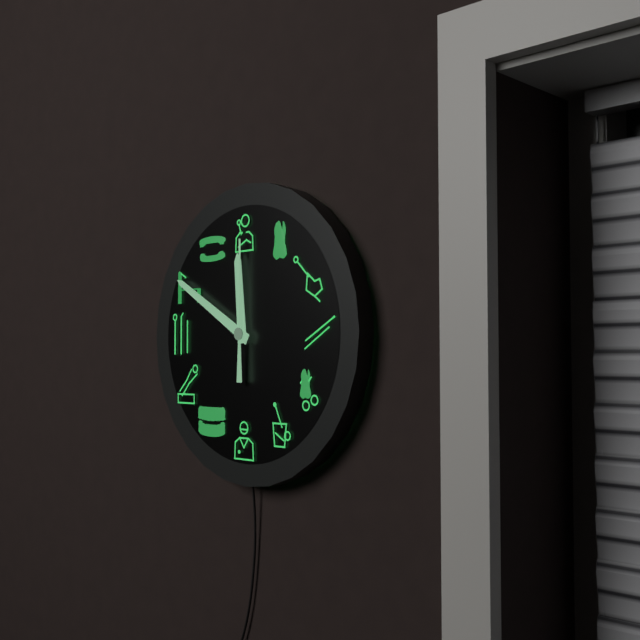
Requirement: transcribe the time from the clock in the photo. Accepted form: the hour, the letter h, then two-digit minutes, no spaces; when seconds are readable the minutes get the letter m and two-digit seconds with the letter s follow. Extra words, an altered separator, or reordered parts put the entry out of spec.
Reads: 11h50m00s
